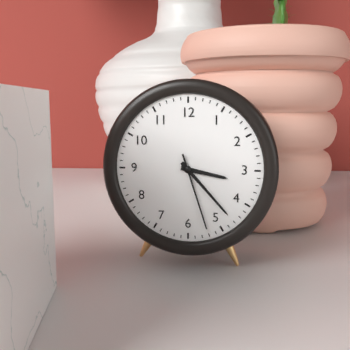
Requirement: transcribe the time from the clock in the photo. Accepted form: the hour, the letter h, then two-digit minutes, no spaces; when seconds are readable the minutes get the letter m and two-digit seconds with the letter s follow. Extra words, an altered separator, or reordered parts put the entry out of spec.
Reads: 3h23m27s
